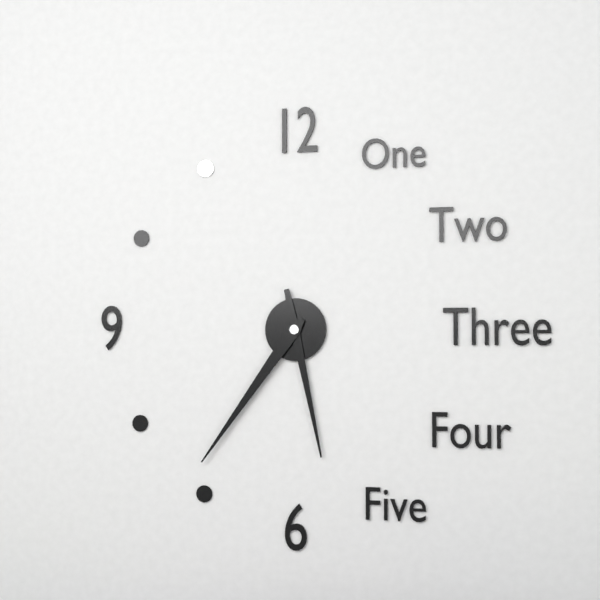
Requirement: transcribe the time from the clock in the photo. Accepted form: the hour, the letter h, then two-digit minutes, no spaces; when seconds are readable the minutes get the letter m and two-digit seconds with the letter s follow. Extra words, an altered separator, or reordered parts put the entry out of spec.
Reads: 5h36
